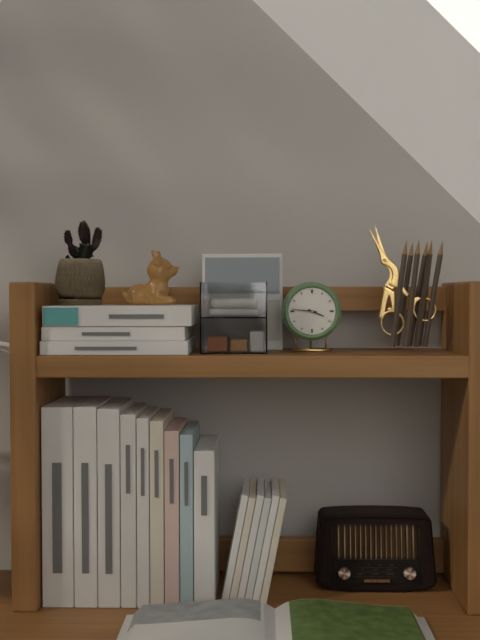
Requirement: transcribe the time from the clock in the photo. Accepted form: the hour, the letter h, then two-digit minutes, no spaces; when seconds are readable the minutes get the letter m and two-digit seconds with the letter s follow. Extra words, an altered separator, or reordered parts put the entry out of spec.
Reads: 3h46
